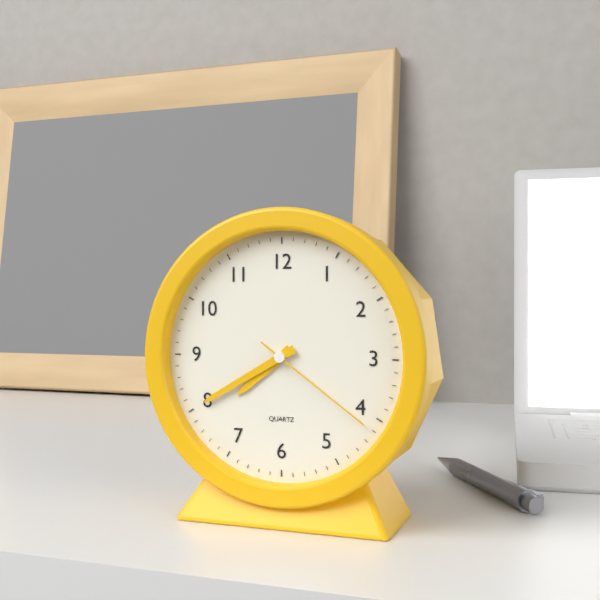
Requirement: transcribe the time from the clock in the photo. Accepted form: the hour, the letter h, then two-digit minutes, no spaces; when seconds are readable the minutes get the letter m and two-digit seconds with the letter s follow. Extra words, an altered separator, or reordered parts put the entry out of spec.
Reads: 7h40m21s
